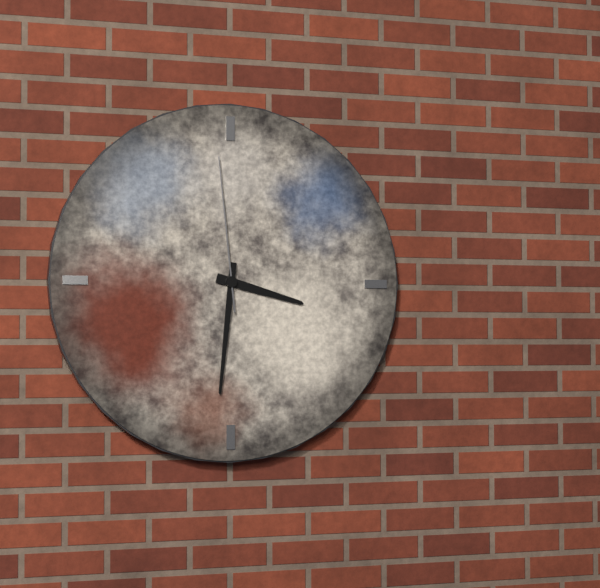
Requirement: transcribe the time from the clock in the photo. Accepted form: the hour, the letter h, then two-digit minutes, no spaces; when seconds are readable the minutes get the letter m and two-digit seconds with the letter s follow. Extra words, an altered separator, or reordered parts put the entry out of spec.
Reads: 3h31m59s
